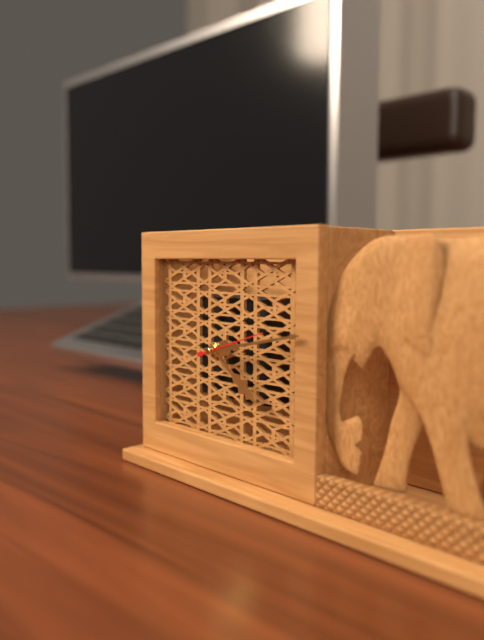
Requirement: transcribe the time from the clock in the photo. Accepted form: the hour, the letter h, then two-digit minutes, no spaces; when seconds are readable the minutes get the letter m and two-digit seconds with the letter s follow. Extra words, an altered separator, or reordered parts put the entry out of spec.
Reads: 4h13m12s
